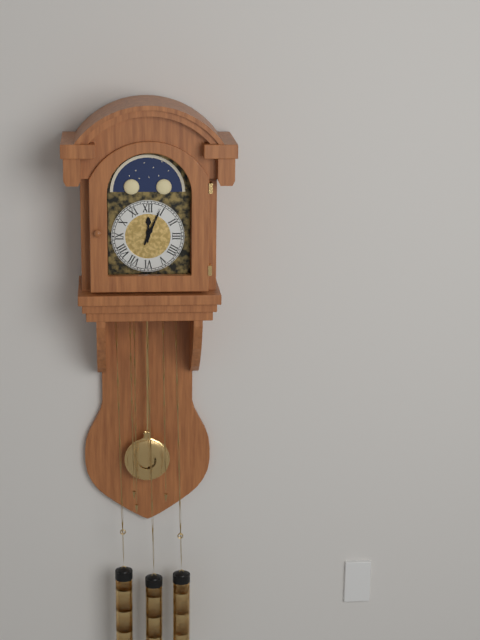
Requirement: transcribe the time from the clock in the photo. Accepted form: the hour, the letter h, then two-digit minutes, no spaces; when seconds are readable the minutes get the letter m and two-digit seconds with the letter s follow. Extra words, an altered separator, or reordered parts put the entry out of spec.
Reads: 12h04
